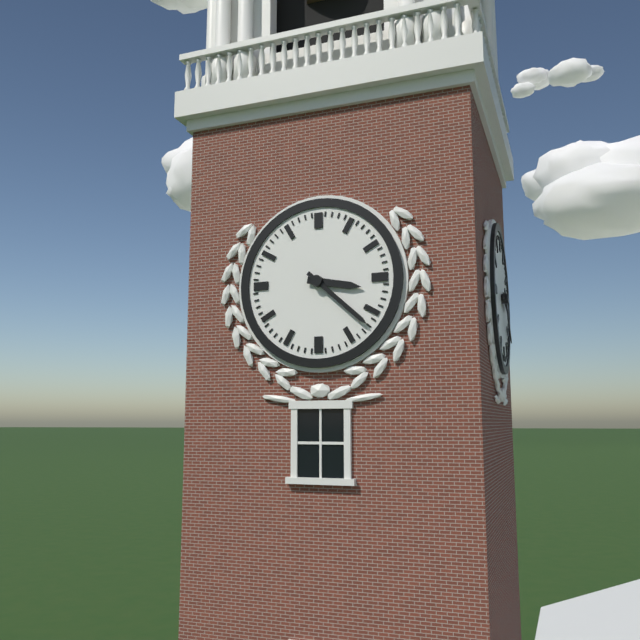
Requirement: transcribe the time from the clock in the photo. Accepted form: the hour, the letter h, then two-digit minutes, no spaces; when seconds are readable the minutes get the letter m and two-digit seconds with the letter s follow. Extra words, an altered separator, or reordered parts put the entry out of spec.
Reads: 3h22
